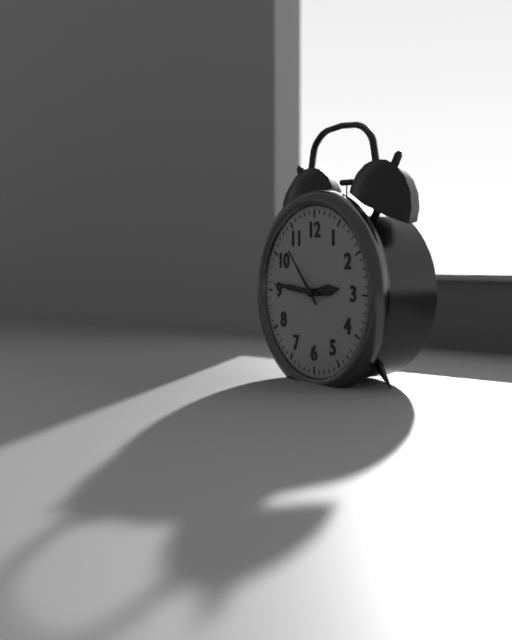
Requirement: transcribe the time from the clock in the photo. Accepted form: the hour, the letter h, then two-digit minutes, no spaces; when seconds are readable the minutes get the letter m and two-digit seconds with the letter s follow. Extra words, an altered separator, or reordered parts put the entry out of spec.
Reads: 2h46m53s
